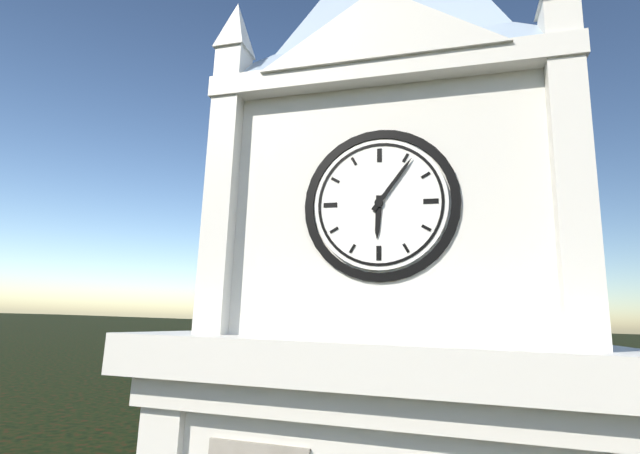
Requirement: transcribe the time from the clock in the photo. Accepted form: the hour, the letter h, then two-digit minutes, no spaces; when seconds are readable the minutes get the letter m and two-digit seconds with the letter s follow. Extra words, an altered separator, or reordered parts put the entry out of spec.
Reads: 6h06
